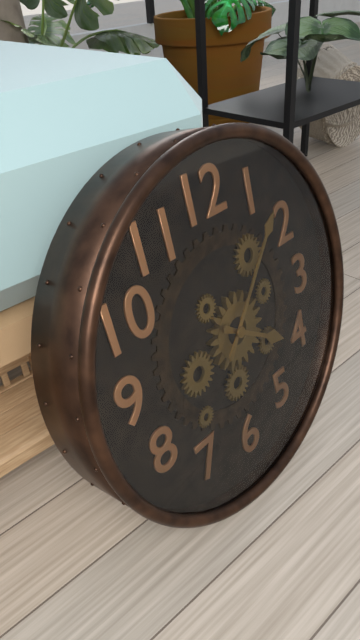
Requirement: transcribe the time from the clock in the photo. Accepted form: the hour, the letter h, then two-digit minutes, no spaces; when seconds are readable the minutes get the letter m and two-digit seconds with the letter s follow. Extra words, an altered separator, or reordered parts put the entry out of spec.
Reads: 4h07
